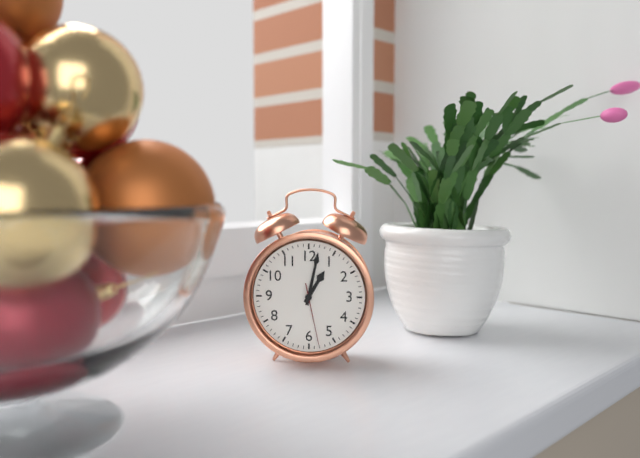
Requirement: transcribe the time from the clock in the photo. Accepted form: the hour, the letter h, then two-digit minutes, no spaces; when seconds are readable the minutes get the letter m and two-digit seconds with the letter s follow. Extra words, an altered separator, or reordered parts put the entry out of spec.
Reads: 1h02m28s
